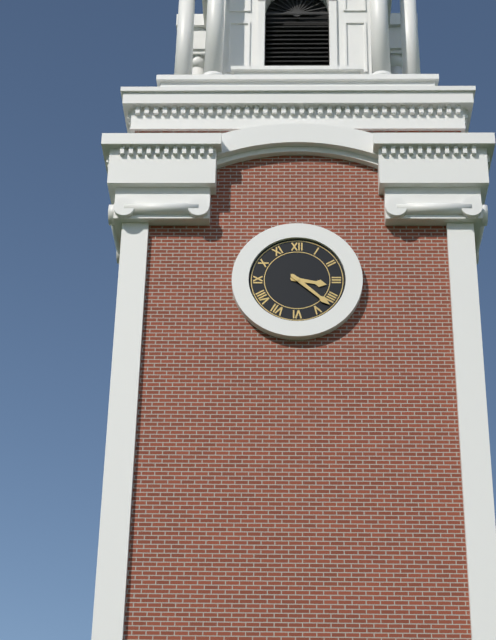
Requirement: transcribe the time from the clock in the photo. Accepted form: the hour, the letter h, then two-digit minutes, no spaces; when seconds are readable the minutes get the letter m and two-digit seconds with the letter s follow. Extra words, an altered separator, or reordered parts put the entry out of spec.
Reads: 3h22
